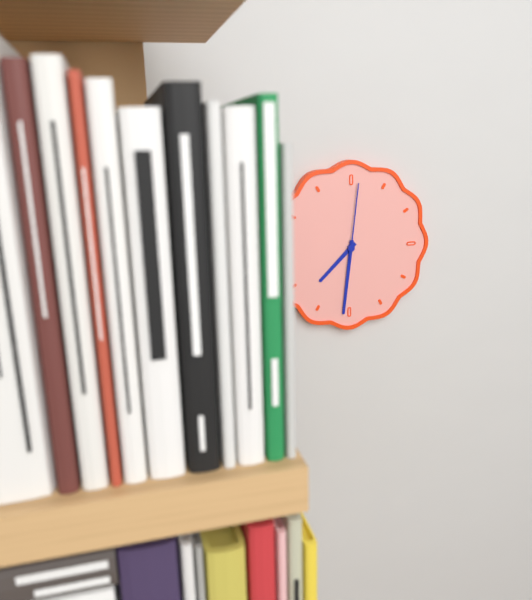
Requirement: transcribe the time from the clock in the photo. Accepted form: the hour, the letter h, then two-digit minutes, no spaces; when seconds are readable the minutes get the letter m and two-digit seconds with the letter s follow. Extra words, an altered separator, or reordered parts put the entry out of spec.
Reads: 7h31m01s
